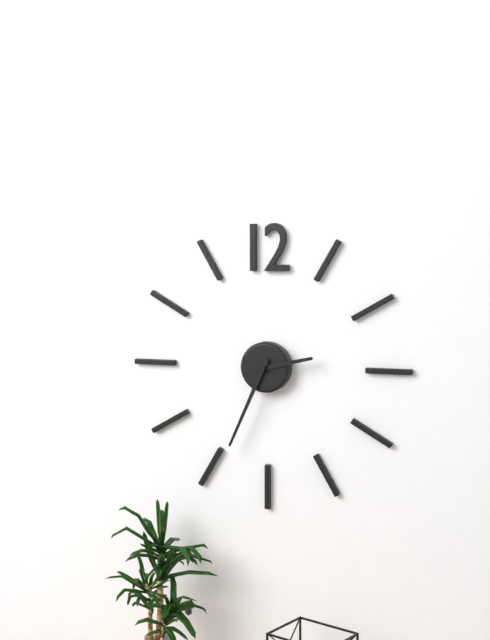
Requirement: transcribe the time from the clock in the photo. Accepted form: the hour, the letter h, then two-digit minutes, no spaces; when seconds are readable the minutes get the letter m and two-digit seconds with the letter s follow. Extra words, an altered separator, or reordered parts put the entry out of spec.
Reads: 2h34
